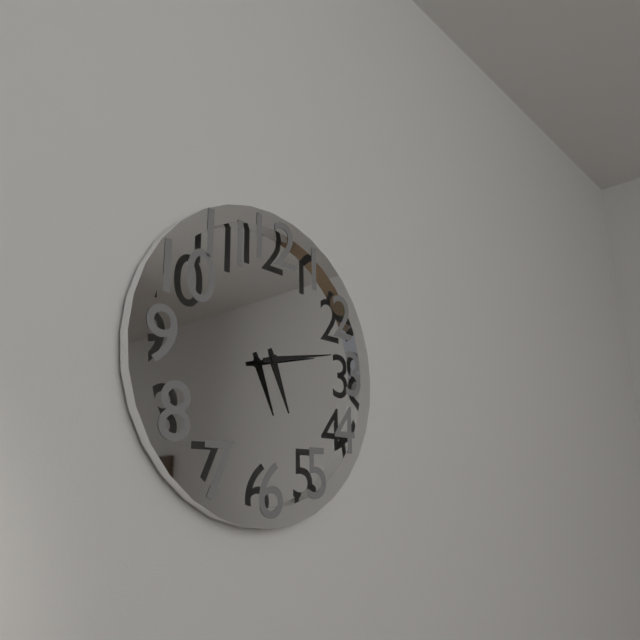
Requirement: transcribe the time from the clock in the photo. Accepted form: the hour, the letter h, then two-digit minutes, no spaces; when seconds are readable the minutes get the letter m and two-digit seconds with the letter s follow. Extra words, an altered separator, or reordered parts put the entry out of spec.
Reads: 5h13
